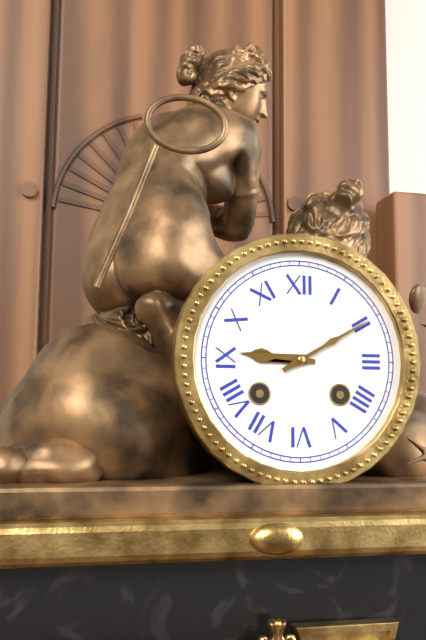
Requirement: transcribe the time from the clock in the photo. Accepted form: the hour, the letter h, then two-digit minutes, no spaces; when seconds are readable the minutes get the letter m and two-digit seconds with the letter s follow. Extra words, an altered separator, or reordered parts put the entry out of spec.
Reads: 9h10
